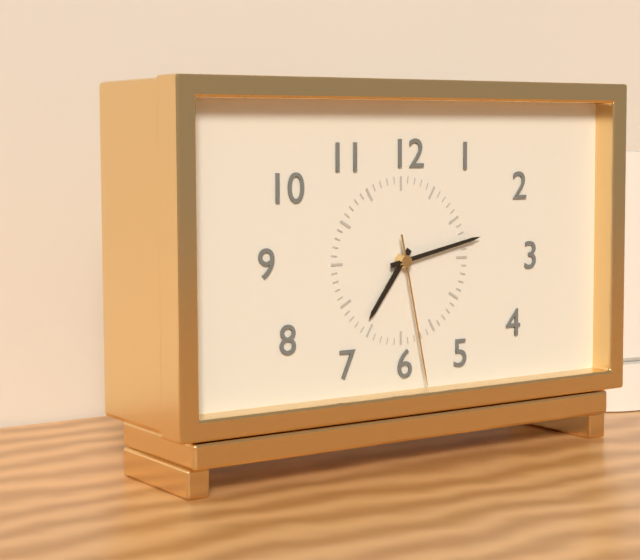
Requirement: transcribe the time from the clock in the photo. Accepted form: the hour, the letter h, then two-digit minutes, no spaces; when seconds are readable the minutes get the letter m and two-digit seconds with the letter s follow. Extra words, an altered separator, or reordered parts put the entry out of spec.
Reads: 7h13m28s
